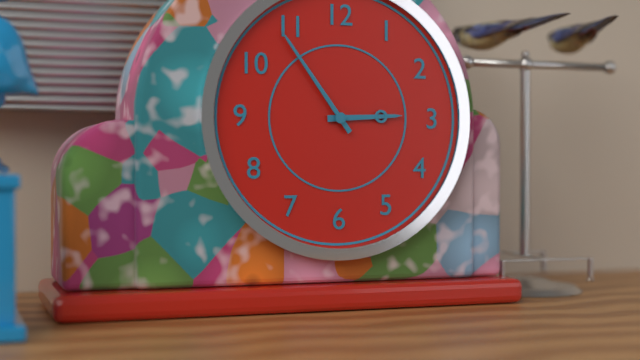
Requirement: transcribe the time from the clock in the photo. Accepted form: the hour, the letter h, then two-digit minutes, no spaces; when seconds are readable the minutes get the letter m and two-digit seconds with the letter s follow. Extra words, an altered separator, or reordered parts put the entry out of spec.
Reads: 2h54
